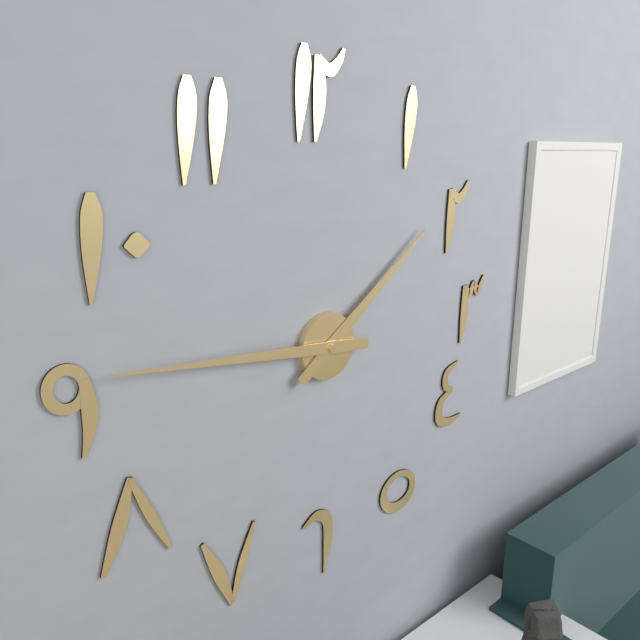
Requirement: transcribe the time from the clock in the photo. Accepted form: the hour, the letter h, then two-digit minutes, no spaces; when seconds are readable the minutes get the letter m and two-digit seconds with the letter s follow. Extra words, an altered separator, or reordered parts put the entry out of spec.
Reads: 1h46
